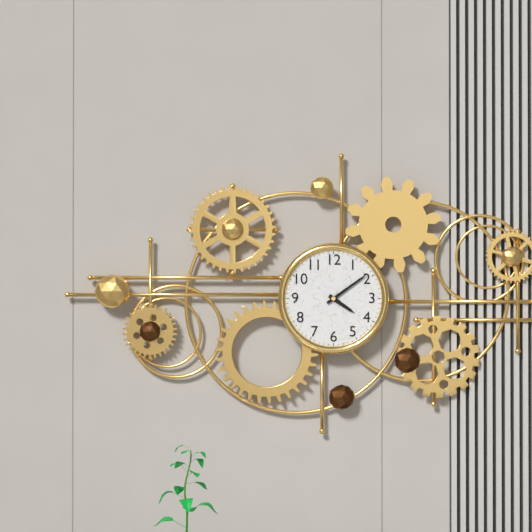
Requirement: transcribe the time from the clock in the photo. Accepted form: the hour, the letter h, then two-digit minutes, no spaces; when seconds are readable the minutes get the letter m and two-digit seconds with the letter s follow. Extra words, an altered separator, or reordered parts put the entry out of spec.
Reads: 4h09
